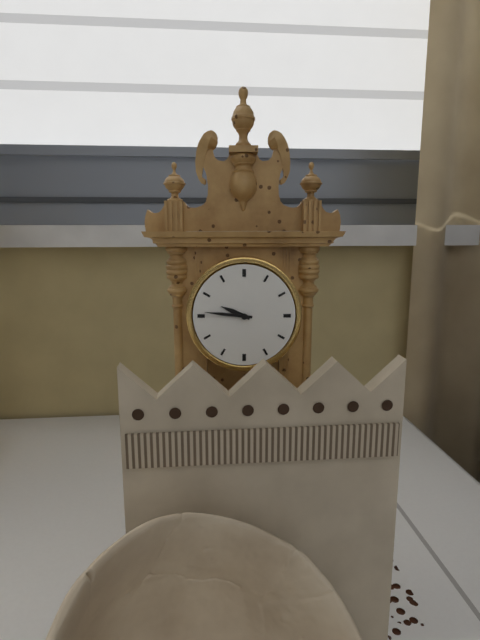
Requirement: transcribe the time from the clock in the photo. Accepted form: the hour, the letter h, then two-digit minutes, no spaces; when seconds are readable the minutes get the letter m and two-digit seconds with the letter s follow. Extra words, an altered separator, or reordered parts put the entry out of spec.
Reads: 9h46
